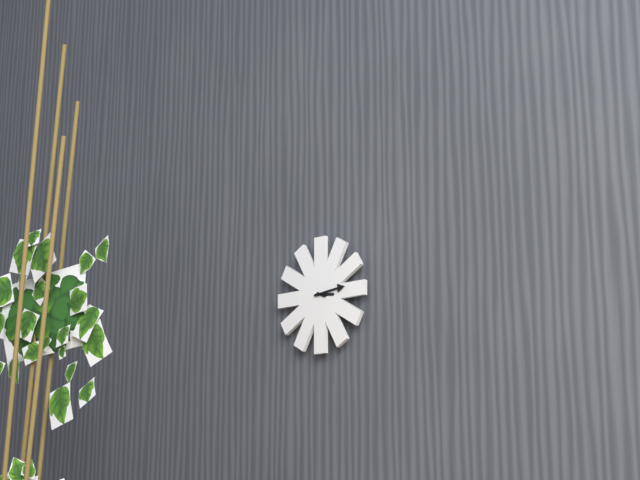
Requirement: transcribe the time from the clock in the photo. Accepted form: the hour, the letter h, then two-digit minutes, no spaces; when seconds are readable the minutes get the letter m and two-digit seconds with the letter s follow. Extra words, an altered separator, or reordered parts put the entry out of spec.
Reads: 3h14
